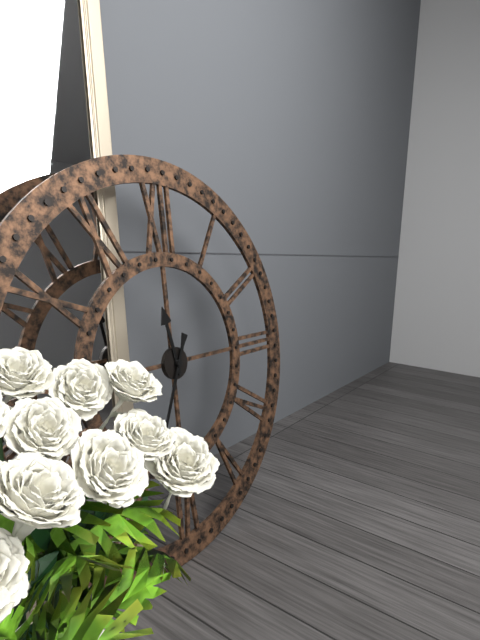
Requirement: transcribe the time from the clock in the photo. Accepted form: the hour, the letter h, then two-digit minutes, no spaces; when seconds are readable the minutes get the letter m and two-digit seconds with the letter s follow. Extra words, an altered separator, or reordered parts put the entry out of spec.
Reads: 11h34
